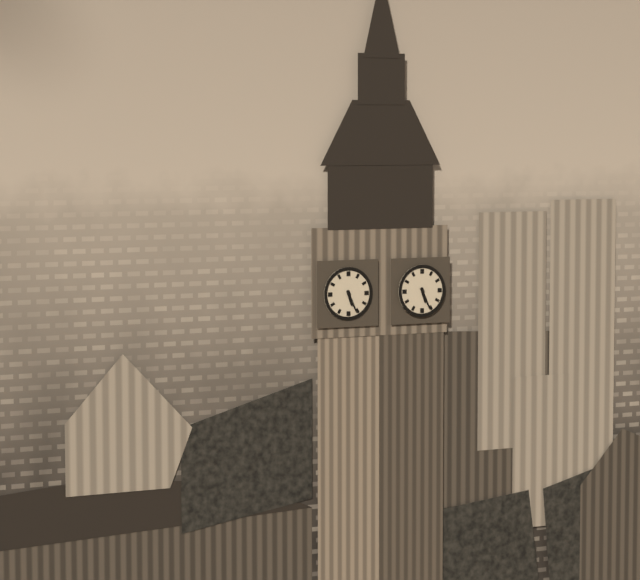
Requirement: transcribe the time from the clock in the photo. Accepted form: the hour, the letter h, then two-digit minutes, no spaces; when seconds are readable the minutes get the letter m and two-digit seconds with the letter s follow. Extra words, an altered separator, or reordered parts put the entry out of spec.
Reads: 5h26
